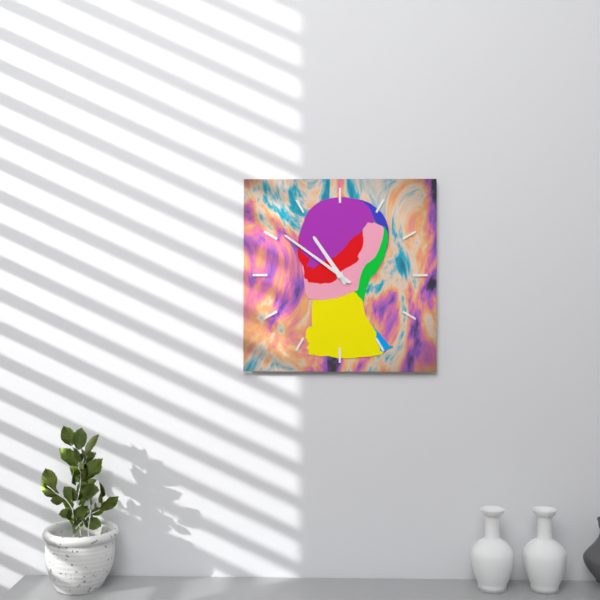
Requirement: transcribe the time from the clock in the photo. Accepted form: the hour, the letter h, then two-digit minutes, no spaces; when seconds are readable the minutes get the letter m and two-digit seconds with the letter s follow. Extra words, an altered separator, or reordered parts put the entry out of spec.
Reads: 10h51
